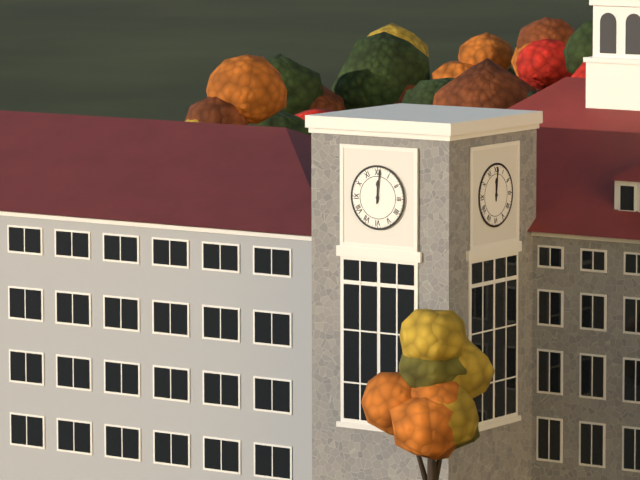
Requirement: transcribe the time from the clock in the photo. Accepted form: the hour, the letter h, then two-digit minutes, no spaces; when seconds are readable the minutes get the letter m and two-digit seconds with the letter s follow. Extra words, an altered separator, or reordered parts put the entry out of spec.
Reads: 12h01
